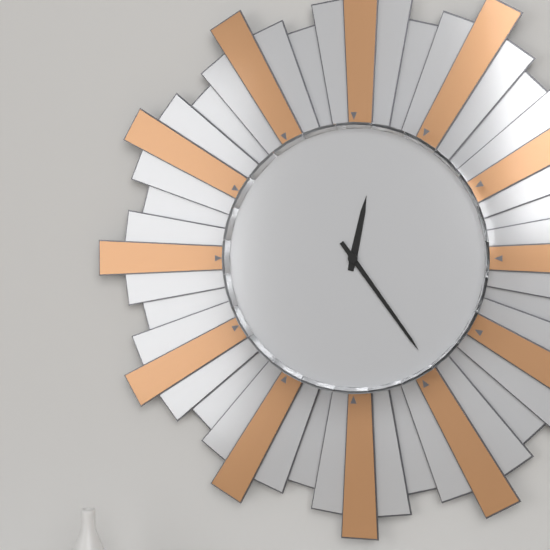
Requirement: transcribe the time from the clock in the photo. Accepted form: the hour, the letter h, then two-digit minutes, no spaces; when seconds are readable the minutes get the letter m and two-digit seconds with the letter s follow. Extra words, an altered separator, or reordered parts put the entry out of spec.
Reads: 12h24
